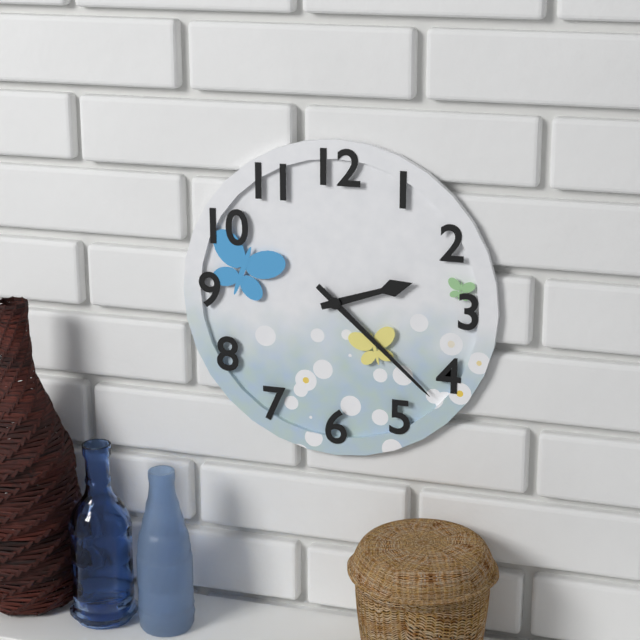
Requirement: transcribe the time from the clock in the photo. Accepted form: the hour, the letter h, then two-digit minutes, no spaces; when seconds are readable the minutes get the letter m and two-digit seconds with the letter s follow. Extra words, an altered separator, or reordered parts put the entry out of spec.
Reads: 2h22
